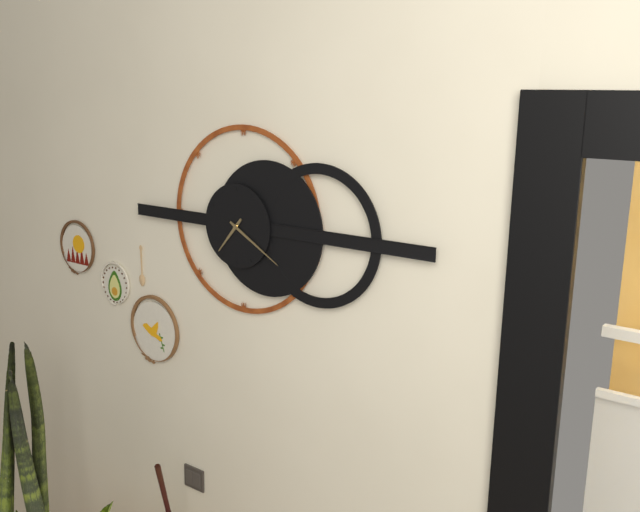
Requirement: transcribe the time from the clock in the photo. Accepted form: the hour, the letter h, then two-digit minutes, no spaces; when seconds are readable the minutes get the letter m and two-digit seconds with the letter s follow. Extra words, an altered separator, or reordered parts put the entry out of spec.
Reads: 7h20
